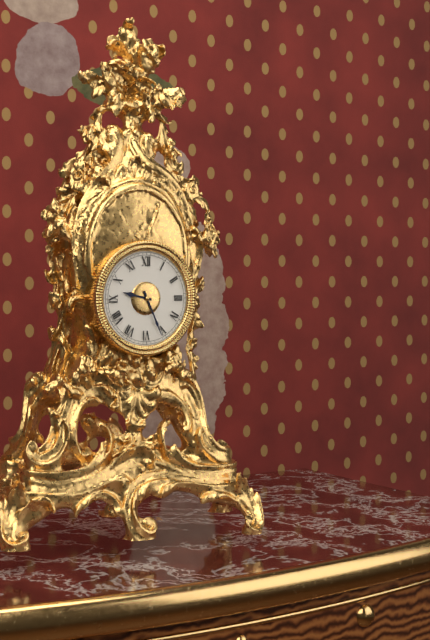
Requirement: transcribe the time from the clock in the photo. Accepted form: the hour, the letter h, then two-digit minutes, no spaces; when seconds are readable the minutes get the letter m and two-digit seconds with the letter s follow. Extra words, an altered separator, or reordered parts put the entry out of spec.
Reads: 9h26
